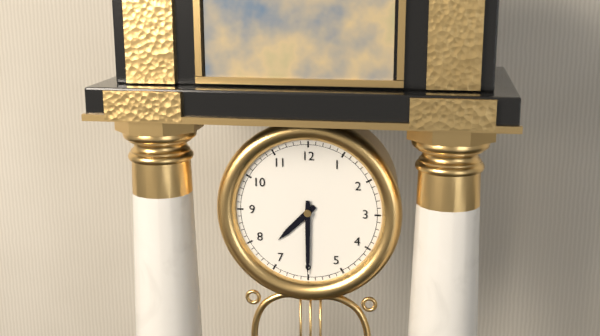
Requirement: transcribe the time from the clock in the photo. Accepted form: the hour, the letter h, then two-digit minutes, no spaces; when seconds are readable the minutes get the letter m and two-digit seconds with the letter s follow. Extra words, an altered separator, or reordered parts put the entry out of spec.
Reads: 7h30
